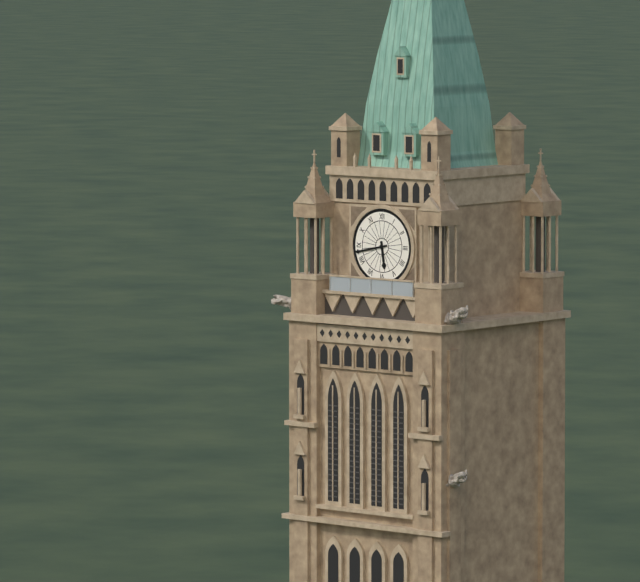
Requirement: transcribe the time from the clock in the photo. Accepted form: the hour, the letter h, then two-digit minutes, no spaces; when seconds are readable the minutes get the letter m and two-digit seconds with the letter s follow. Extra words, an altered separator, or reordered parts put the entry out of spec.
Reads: 5h43
